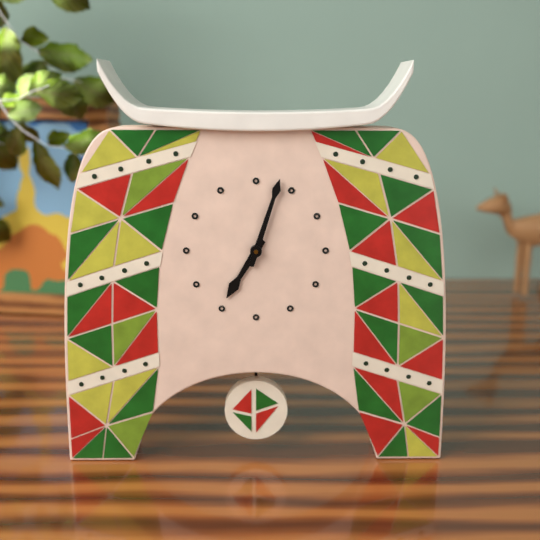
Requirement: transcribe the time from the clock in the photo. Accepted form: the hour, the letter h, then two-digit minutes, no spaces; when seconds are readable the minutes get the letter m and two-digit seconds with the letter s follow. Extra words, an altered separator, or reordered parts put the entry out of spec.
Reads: 7h03
